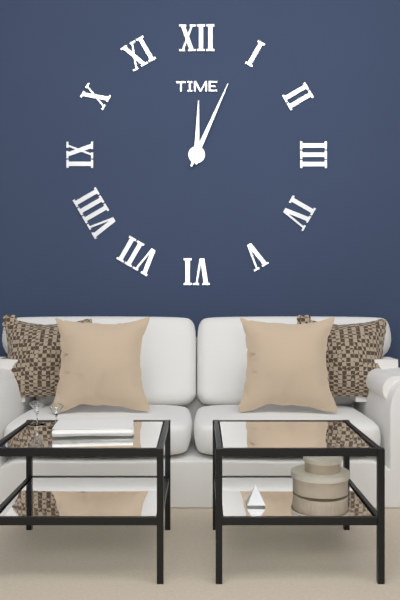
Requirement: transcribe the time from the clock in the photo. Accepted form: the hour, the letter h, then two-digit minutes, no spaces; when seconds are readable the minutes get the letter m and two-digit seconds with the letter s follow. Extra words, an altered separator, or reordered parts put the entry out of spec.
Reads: 12h04
